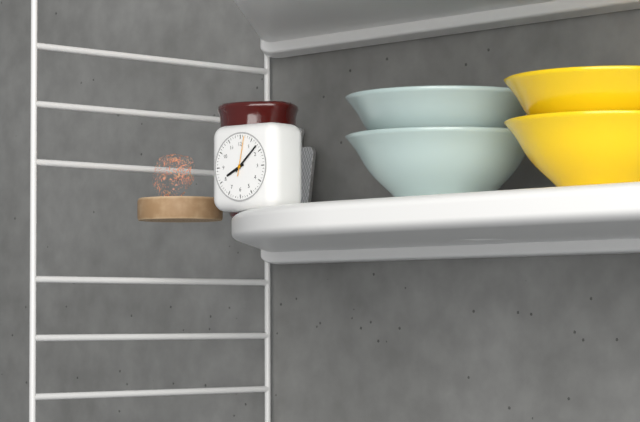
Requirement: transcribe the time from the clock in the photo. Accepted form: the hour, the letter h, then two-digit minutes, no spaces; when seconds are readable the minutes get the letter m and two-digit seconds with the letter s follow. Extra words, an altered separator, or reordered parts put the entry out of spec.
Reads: 8h08
